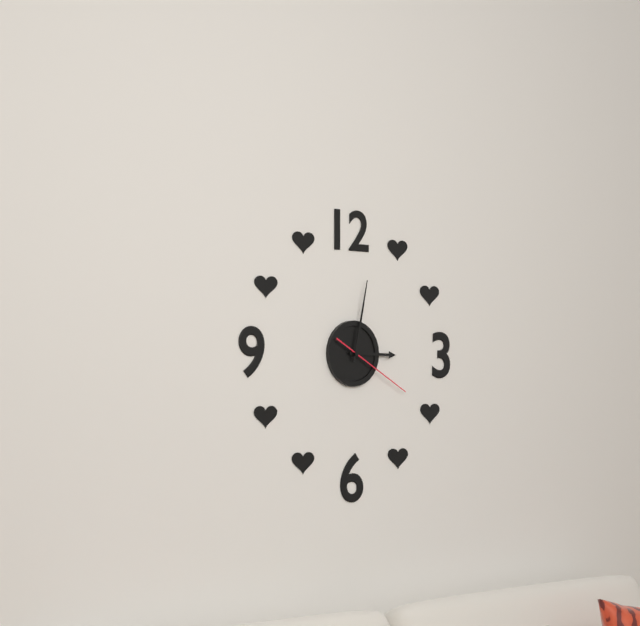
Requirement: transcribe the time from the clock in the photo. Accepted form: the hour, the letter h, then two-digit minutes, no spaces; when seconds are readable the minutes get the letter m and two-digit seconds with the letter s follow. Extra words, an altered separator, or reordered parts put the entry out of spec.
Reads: 3h02m20s
